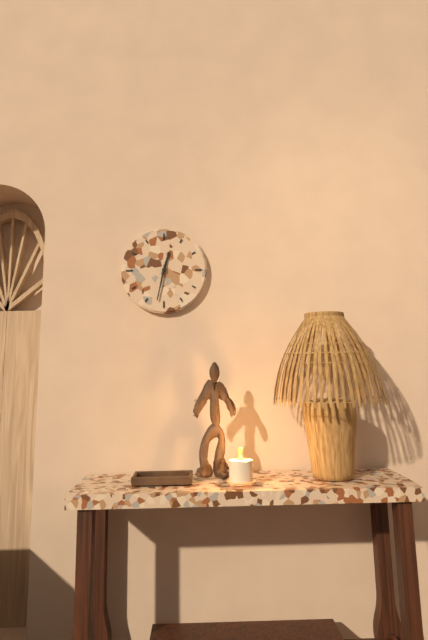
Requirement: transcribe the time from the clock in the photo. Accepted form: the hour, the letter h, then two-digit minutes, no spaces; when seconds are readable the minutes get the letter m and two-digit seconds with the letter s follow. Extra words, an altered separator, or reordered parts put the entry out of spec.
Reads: 12h32
